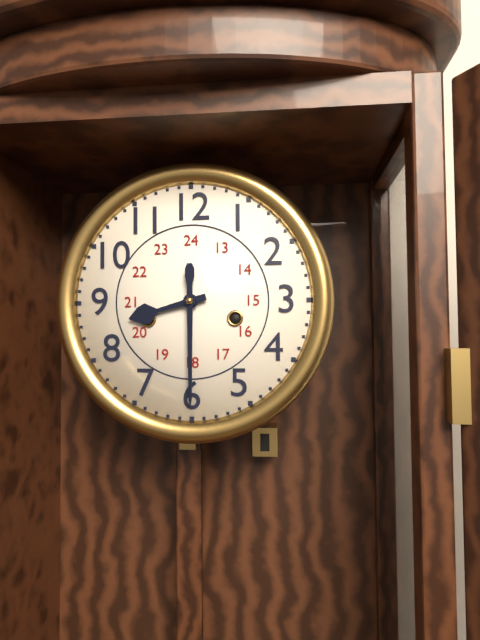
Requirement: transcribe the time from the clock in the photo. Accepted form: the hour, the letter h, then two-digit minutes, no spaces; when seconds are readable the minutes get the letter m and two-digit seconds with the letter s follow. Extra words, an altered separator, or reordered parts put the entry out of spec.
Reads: 8h30
